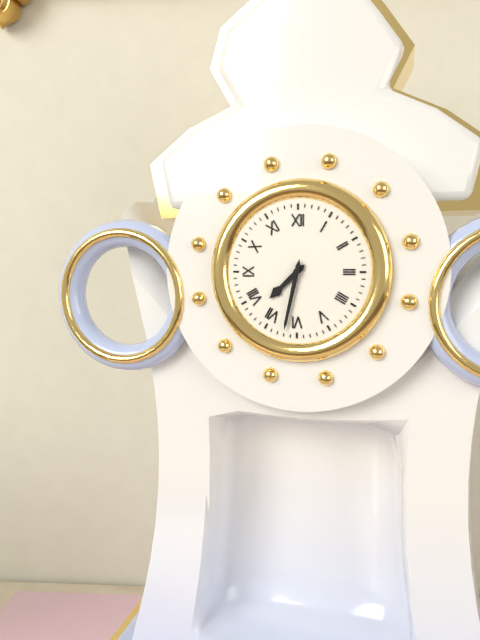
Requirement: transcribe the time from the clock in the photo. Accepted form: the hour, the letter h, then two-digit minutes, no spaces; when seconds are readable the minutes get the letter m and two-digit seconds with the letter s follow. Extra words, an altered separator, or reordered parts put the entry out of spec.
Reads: 7h32
